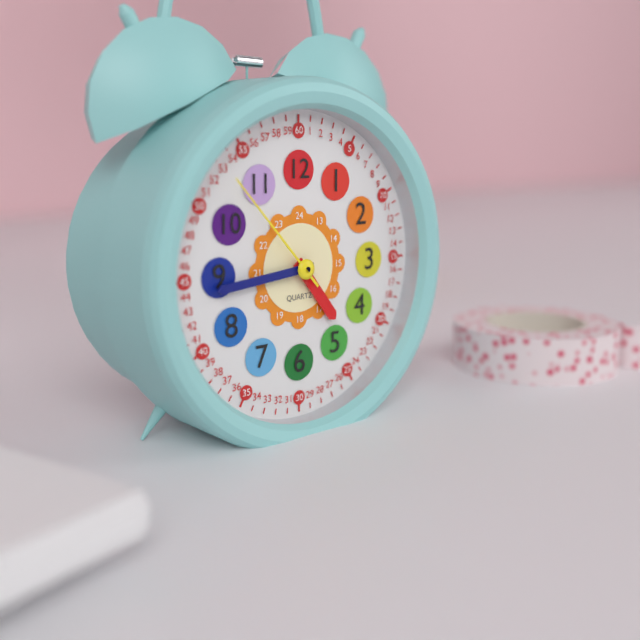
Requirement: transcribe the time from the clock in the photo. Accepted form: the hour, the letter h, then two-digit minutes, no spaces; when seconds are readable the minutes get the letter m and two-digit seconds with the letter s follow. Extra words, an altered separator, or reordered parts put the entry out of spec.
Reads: 4h44m53s
